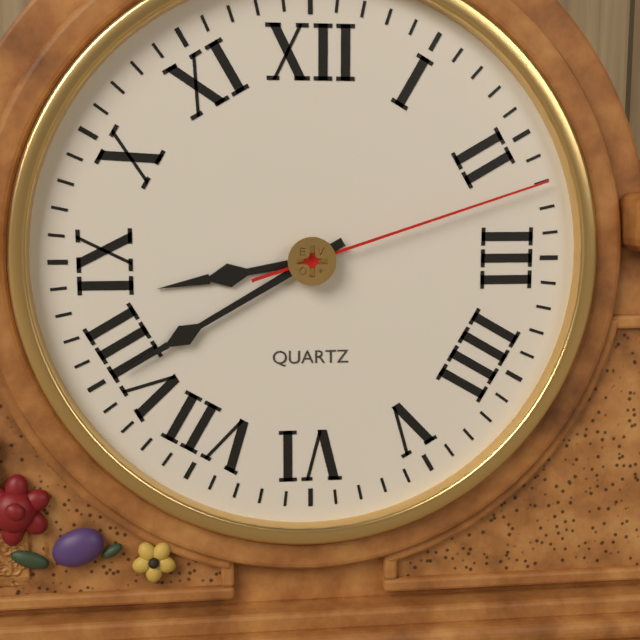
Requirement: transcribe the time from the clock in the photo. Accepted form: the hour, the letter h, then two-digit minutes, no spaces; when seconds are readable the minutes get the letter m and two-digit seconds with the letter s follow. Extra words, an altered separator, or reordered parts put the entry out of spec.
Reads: 8h40m12s
